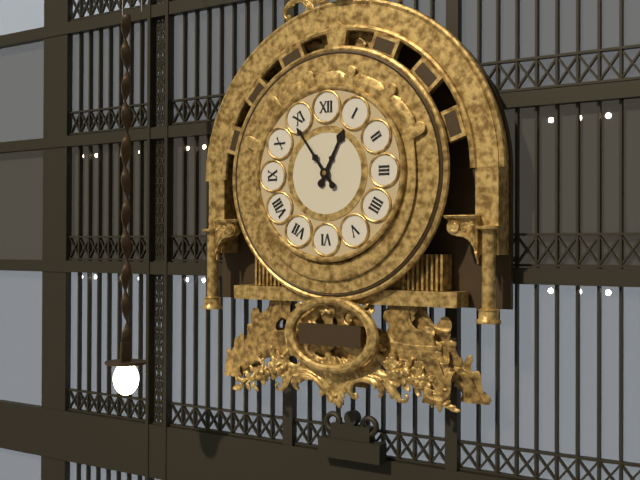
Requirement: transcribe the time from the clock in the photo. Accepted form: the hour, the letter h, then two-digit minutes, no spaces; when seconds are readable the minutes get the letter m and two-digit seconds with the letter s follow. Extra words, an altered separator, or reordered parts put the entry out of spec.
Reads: 12h54
